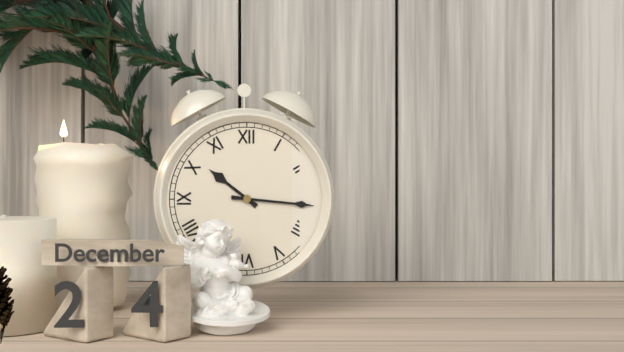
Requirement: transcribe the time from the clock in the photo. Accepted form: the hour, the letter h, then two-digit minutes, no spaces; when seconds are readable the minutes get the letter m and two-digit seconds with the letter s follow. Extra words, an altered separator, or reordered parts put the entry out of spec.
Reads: 10h16
